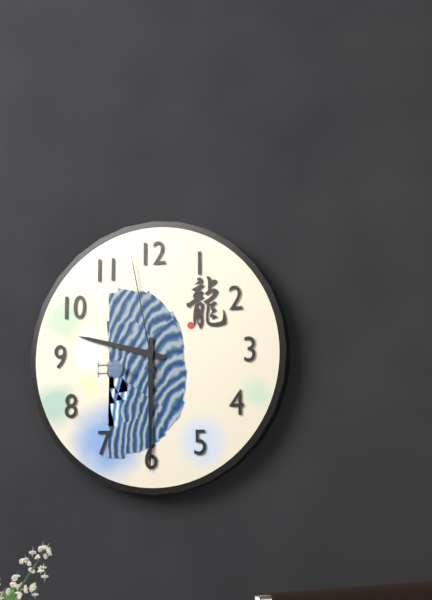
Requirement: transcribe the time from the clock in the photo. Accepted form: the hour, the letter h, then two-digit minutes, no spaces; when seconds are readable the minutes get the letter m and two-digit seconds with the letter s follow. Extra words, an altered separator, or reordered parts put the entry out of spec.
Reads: 9h30m58s
